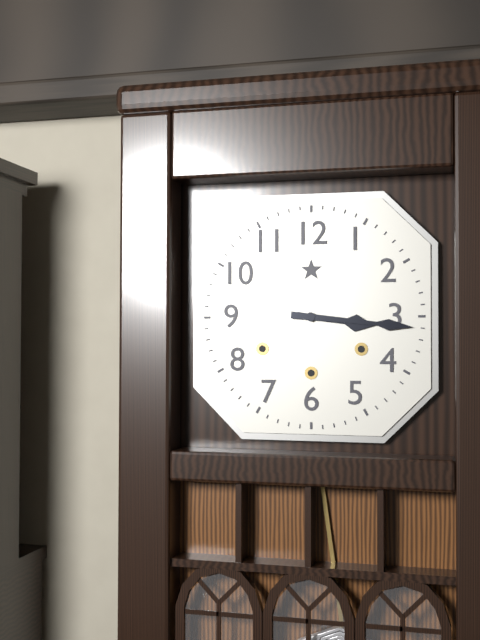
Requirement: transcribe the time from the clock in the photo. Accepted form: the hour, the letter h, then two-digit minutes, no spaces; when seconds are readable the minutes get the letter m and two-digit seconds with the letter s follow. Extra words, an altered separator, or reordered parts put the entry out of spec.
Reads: 3h16
